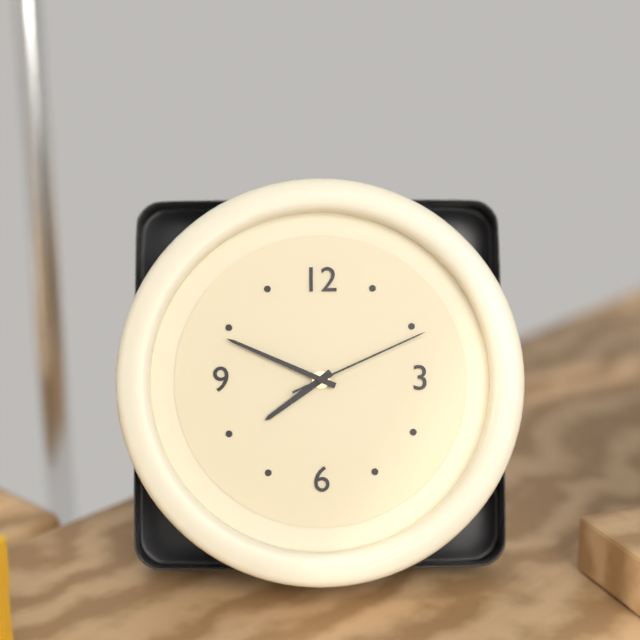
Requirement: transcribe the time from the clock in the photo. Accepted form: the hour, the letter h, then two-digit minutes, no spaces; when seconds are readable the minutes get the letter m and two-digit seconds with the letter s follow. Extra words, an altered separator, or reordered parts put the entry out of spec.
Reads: 7h49m11s
